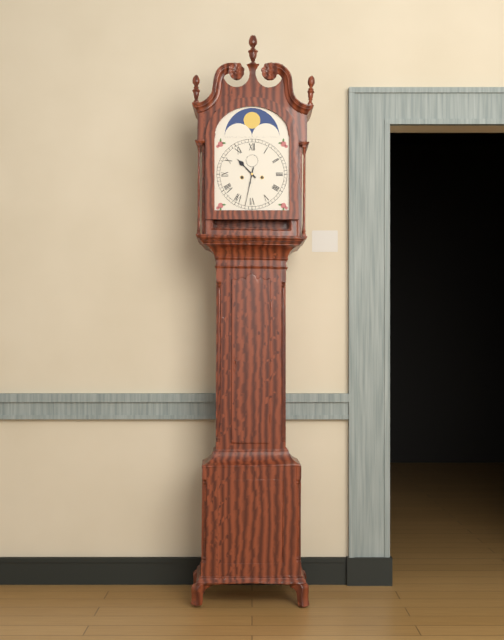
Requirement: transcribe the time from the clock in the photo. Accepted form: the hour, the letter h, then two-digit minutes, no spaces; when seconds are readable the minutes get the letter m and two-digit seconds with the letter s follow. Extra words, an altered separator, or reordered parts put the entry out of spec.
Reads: 10h32
